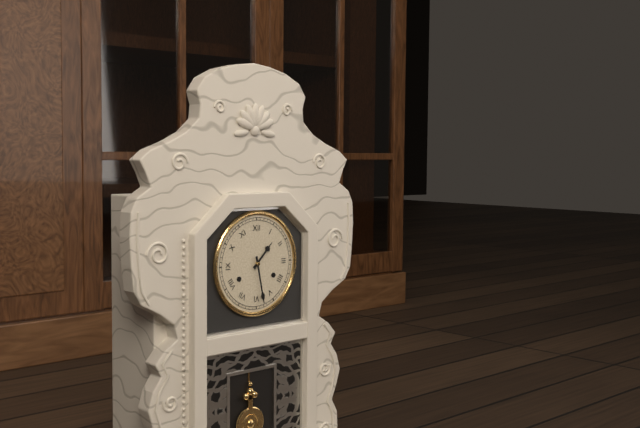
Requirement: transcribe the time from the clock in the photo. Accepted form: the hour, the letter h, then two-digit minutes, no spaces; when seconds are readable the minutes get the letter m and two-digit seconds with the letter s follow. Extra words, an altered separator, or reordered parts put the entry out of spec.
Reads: 1h28
